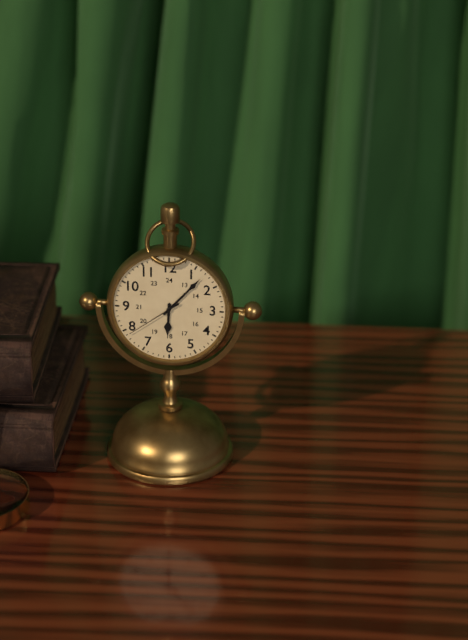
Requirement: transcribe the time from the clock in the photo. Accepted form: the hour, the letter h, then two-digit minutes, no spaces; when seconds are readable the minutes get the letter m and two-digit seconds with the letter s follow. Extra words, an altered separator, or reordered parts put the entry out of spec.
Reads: 6h07m39s
